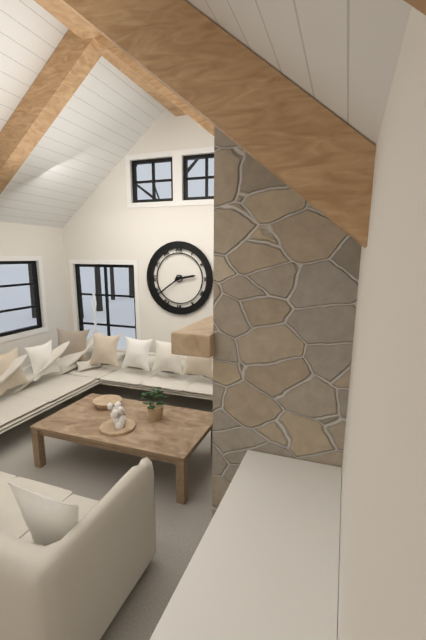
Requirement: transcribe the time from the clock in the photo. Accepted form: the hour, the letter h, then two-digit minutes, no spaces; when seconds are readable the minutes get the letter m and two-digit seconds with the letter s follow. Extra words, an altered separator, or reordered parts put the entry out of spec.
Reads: 2h39
